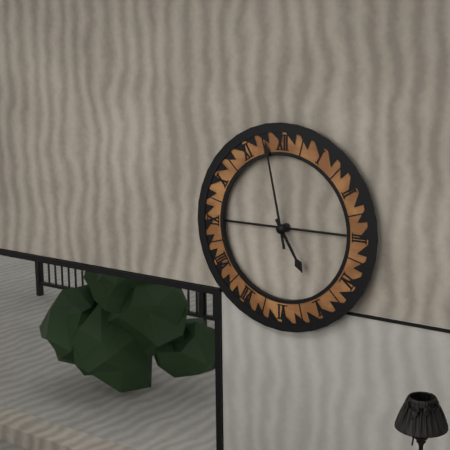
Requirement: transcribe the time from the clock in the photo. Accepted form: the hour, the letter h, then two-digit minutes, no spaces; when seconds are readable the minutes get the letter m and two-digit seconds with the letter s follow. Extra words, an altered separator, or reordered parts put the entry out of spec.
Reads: 4h58
